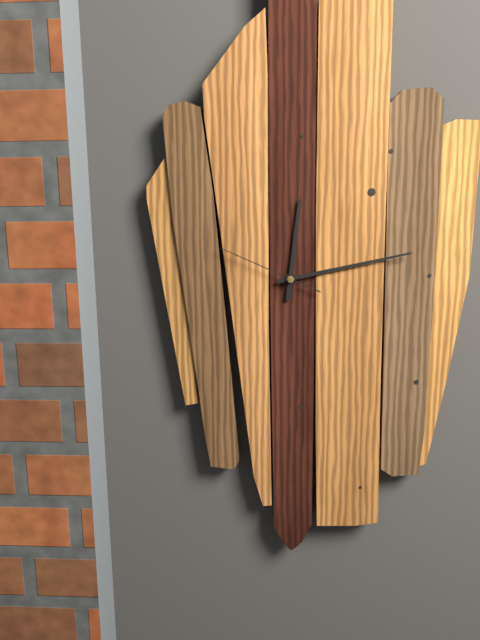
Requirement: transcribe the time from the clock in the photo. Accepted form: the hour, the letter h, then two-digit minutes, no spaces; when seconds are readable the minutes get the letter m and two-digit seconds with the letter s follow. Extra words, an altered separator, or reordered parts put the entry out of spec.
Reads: 12h13m49s
